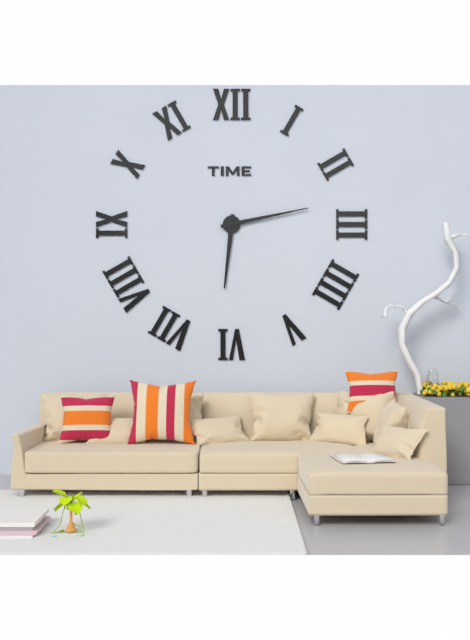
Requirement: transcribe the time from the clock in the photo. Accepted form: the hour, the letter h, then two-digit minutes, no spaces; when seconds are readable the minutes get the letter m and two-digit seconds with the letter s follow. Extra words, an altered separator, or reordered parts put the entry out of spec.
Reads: 6h13
